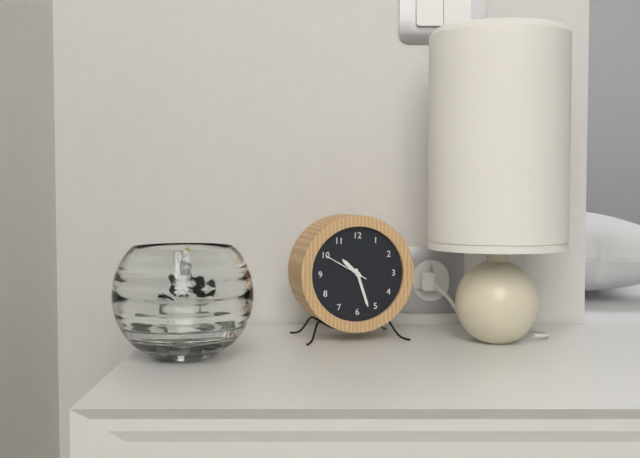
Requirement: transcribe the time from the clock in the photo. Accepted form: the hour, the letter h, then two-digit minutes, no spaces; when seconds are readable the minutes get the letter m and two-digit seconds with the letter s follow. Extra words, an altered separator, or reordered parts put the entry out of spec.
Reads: 10h27
